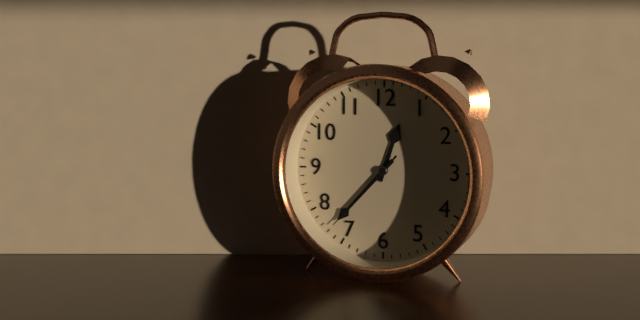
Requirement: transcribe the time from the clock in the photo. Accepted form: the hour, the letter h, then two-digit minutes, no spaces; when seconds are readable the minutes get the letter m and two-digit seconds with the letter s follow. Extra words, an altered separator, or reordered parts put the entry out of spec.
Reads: 12h37m37s
